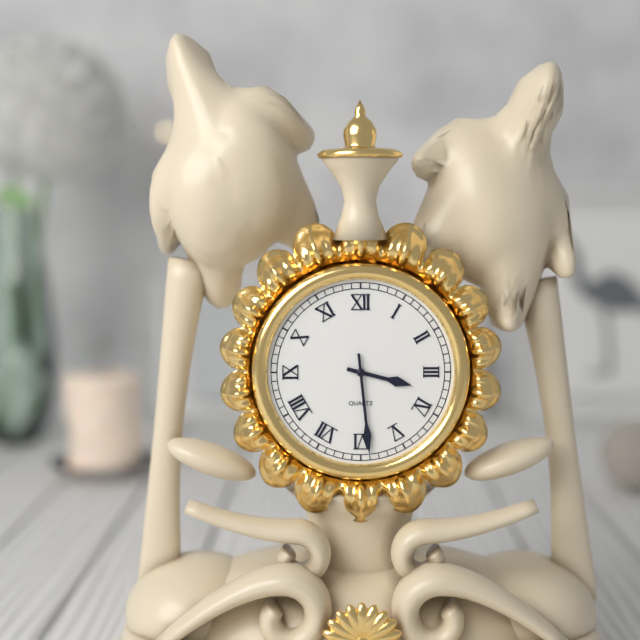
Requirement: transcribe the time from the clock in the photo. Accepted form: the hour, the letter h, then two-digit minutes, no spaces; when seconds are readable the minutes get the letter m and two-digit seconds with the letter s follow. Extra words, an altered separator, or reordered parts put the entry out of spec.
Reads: 3h29
